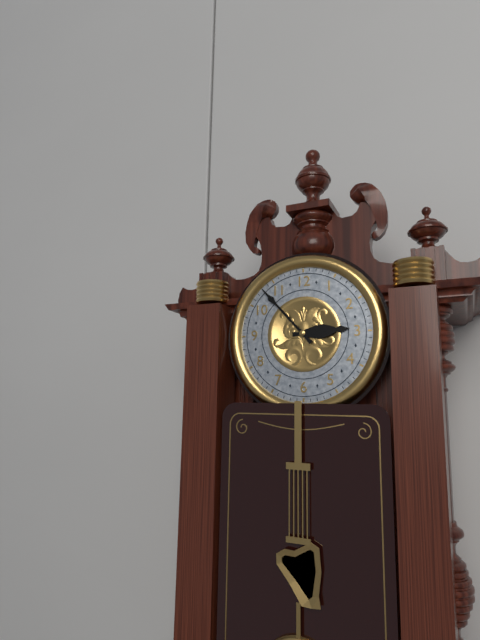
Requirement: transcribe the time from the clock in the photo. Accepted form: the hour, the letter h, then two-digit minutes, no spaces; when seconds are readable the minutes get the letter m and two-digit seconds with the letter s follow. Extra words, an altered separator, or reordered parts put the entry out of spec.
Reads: 2h53
